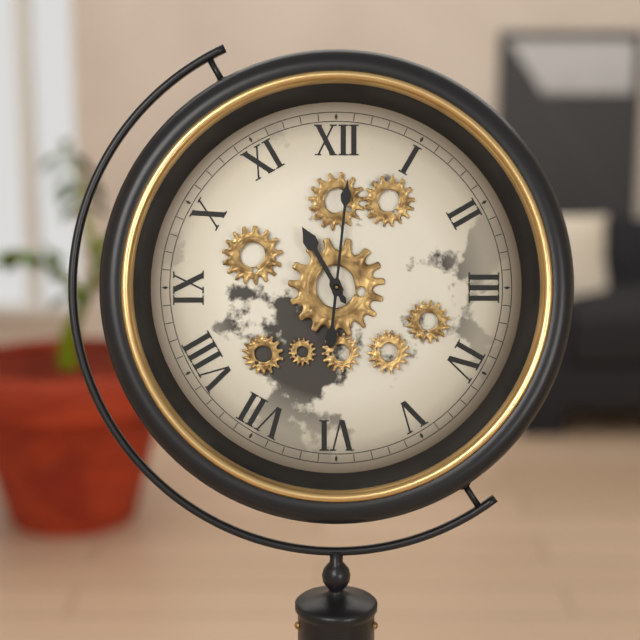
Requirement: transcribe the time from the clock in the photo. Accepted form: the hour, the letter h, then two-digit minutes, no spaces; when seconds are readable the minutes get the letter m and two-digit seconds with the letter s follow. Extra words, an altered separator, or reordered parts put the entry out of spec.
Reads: 11h01
